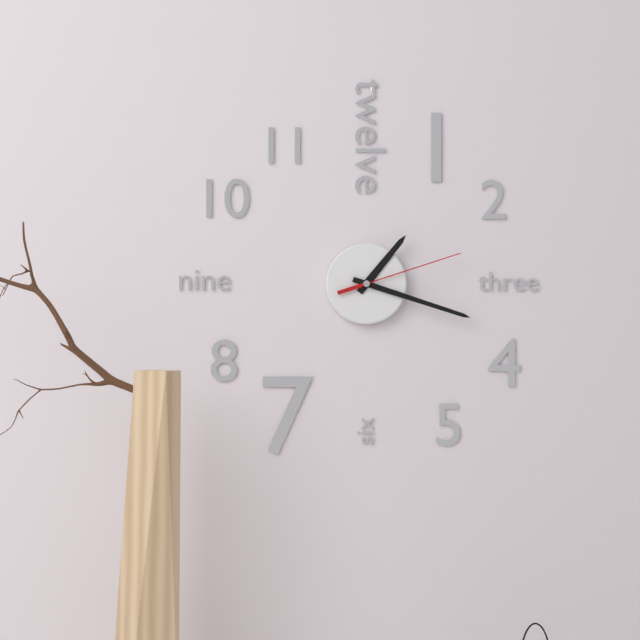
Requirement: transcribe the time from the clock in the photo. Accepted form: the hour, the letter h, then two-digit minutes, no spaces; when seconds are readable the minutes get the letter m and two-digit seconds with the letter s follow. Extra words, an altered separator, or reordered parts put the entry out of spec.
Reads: 1h18m12s
